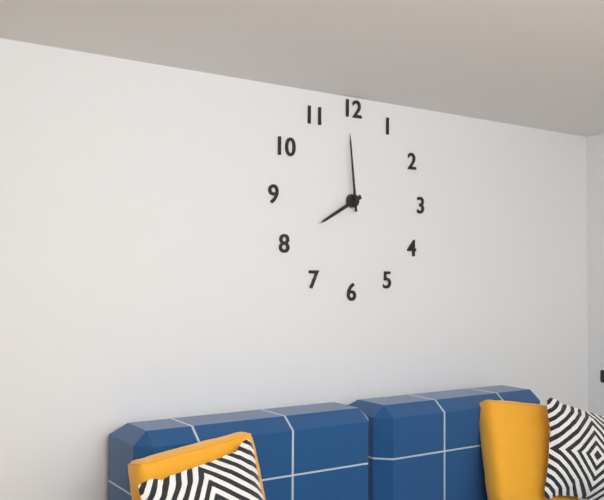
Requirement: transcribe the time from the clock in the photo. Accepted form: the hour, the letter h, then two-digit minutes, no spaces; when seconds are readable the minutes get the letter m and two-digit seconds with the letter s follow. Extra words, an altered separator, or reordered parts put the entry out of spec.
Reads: 7h59
